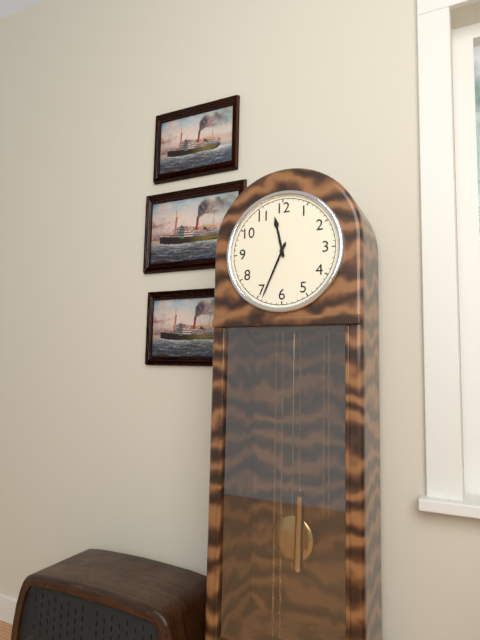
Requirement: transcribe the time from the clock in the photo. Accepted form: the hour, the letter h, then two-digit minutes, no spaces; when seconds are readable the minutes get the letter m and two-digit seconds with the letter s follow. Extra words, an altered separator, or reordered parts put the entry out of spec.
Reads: 11h34
